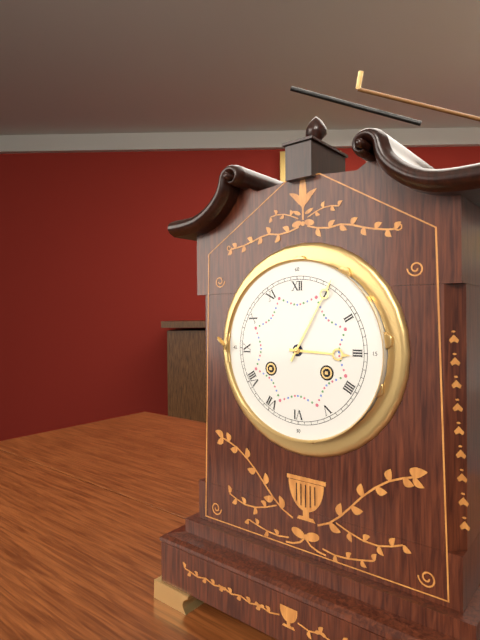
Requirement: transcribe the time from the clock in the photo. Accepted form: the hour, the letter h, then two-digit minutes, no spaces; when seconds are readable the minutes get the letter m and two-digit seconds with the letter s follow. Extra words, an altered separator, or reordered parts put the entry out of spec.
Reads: 3h05
